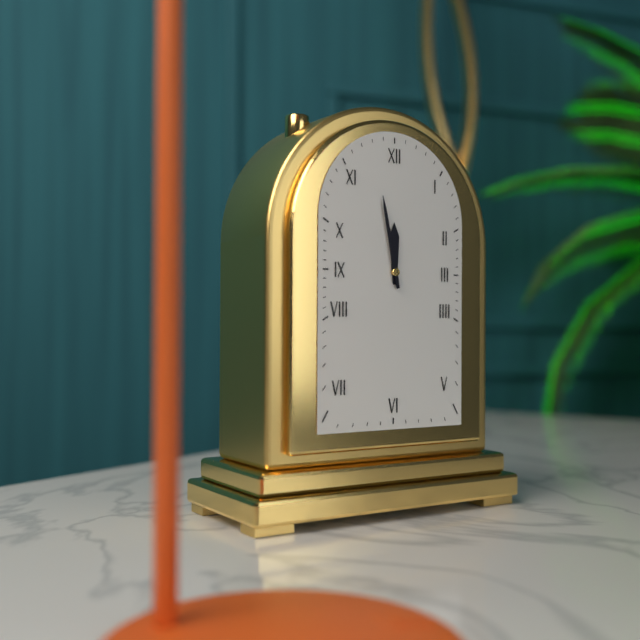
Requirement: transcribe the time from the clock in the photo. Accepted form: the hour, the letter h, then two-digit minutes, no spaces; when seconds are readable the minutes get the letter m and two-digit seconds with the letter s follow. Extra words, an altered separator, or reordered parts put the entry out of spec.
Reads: 11h58
